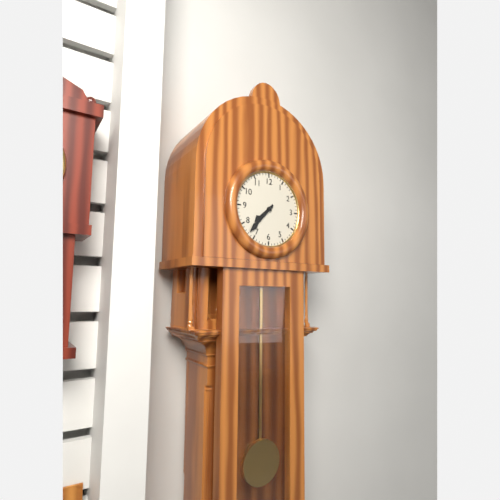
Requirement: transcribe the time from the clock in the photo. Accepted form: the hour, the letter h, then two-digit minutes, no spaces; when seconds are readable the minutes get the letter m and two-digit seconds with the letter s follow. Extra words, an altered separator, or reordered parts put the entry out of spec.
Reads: 7h37
